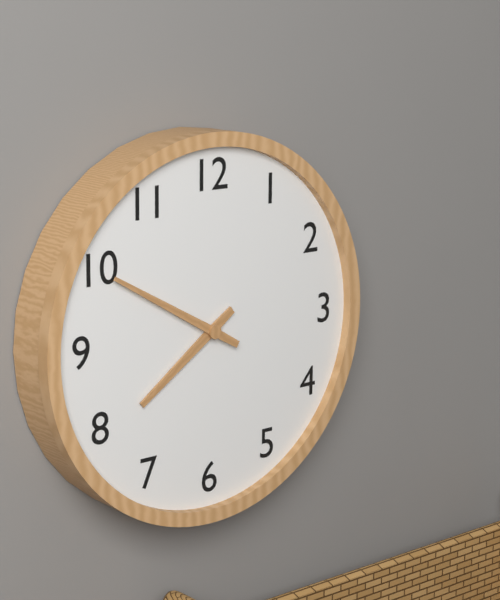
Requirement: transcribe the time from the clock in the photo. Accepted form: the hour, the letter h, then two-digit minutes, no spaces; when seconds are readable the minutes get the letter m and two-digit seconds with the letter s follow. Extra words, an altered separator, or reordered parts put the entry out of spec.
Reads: 7h50
